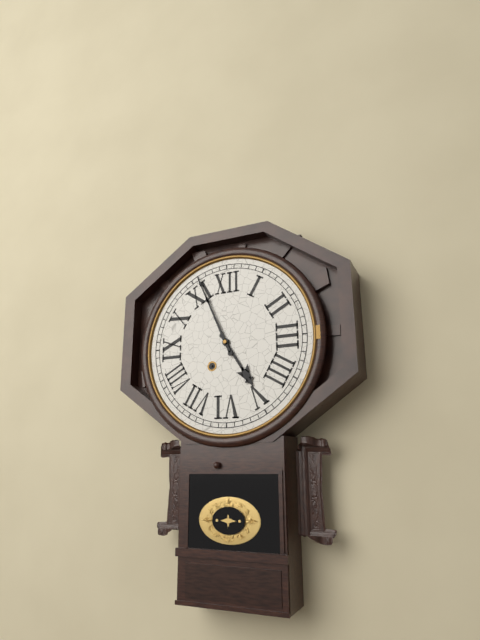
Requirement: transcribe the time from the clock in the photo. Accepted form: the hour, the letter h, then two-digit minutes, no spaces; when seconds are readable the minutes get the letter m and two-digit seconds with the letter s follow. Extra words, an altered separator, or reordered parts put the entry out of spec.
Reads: 4h56
